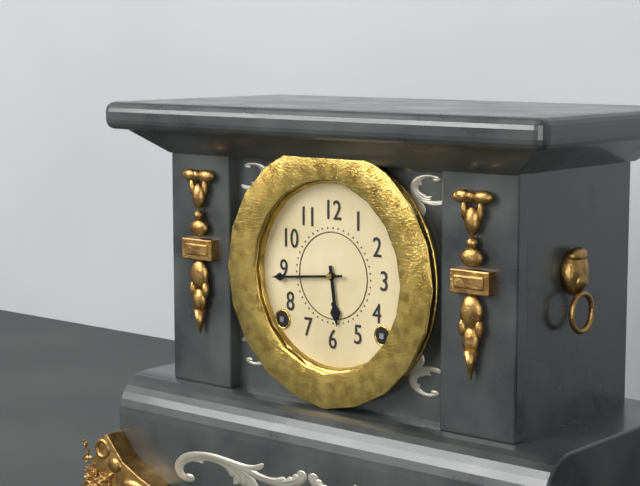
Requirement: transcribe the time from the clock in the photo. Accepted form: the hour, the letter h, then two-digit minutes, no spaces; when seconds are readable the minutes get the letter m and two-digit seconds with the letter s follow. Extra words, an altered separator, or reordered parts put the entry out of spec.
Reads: 5h44
